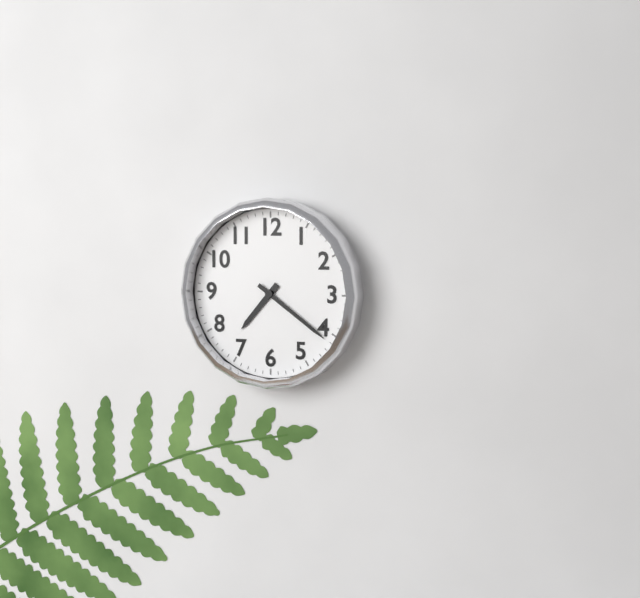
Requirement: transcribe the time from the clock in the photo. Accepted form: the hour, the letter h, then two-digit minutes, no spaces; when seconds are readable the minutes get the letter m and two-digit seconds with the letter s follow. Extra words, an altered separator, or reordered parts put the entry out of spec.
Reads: 7h21
